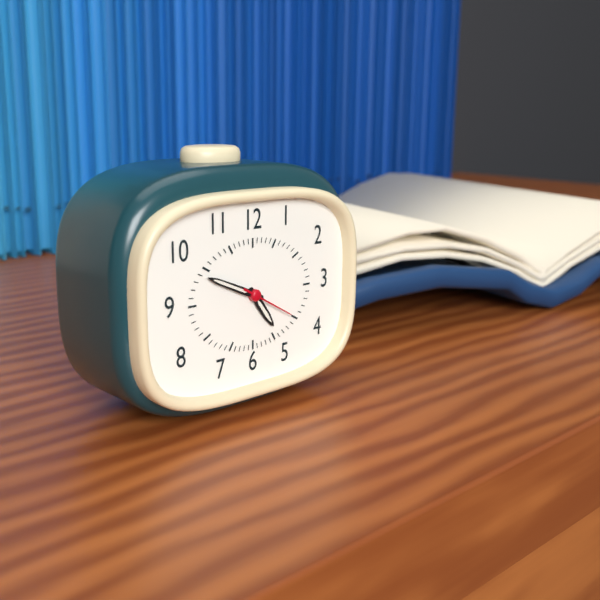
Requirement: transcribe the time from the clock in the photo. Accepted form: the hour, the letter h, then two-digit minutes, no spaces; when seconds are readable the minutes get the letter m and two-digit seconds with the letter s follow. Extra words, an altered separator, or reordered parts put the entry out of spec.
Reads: 4h49m20s
